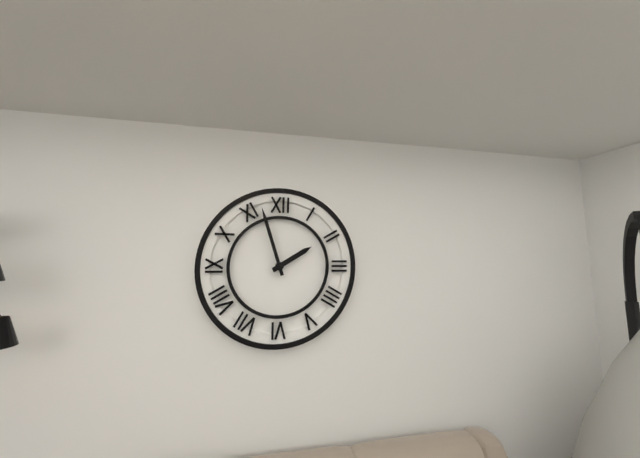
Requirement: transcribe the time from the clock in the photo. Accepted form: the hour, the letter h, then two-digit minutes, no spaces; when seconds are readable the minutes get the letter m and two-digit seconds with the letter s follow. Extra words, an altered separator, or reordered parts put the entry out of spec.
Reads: 1h57
